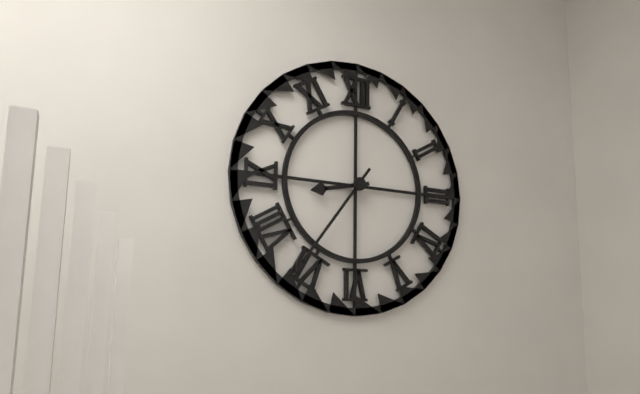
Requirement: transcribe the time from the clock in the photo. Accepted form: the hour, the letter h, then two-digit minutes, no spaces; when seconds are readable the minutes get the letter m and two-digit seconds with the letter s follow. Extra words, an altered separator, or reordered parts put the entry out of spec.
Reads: 8h36
